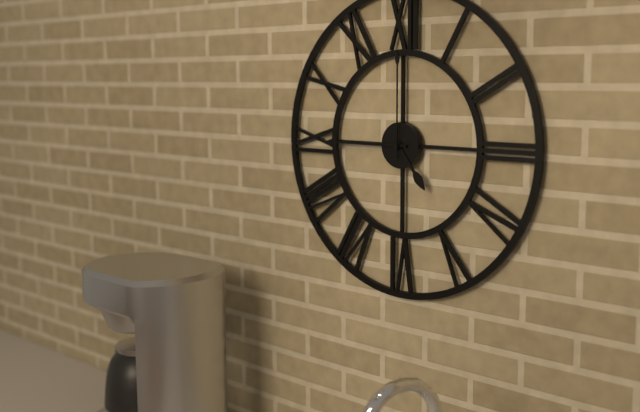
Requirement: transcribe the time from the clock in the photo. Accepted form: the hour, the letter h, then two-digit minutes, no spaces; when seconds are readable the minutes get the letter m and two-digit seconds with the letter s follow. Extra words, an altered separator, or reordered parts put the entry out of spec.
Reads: 4h45m00s
